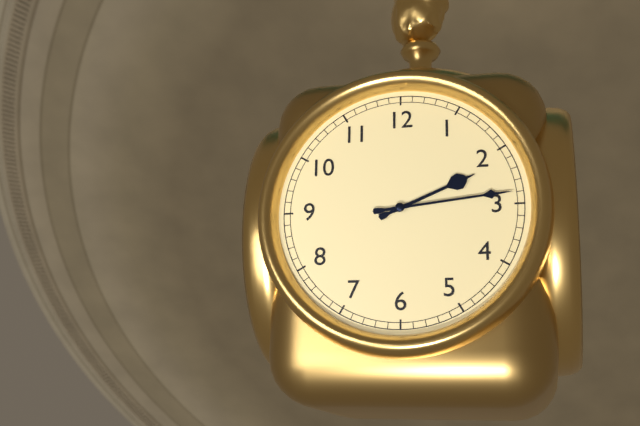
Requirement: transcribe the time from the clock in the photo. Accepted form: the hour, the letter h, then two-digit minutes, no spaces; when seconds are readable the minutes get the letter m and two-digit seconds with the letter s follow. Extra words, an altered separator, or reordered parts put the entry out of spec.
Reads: 2h14
